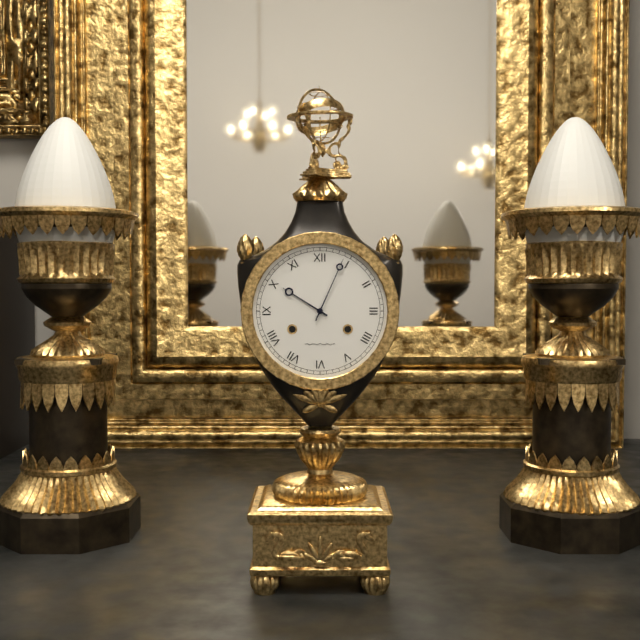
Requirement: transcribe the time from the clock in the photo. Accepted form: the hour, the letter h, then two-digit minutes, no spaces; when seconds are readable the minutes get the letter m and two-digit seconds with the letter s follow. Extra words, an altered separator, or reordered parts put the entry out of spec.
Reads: 10h04
